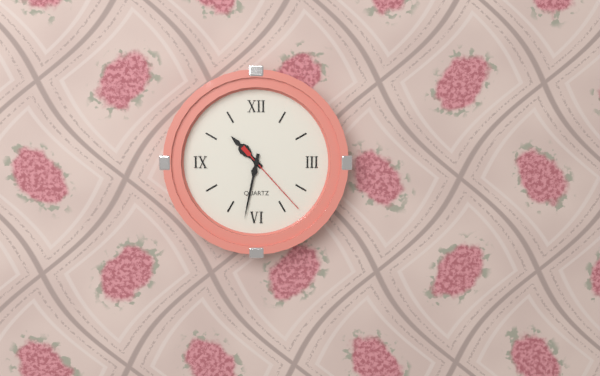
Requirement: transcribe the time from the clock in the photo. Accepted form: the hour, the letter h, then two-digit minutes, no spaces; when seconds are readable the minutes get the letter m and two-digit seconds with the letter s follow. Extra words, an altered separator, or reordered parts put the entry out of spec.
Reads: 10h32m23s
